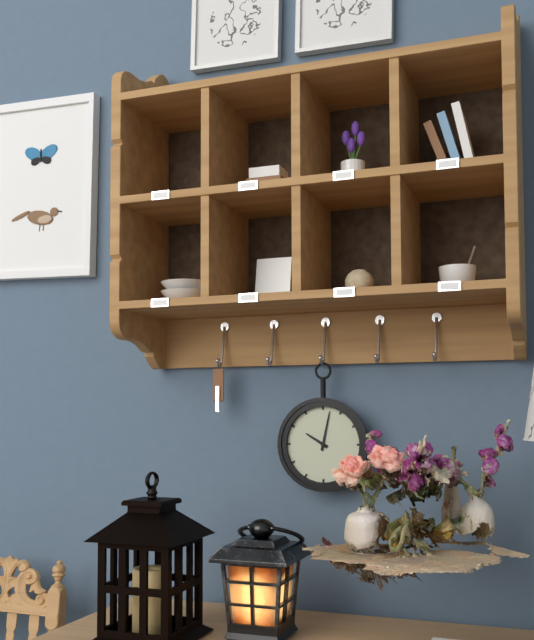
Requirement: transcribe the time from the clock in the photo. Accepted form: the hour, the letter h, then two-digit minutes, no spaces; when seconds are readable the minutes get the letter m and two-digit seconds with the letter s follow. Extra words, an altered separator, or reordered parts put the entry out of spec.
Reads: 10h02
